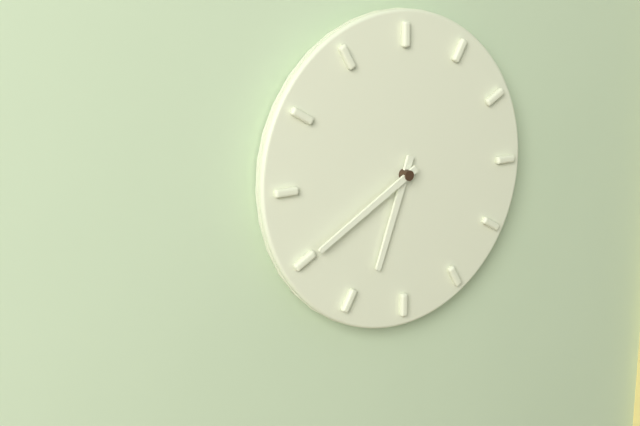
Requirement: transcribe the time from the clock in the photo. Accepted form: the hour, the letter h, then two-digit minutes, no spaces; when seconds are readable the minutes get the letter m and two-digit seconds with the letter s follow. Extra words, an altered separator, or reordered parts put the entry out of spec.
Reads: 6h40
